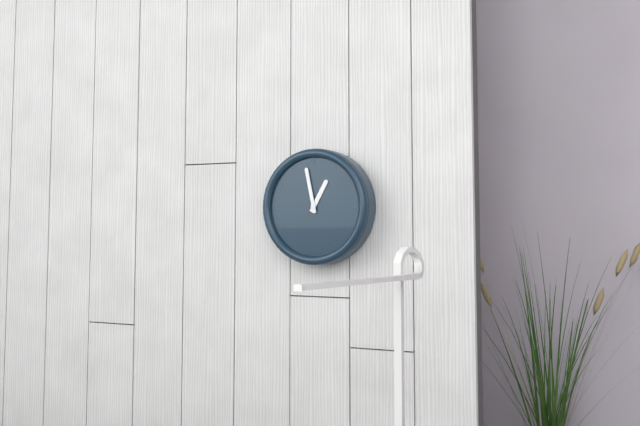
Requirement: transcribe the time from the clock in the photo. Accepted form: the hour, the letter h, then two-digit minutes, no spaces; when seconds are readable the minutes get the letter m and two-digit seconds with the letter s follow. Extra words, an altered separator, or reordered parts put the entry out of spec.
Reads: 12h58
